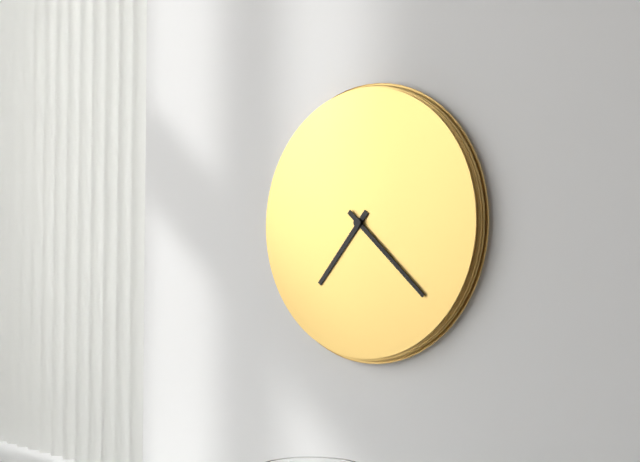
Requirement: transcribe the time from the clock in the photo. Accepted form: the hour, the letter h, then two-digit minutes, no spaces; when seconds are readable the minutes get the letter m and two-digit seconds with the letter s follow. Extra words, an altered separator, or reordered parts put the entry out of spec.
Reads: 7h22
